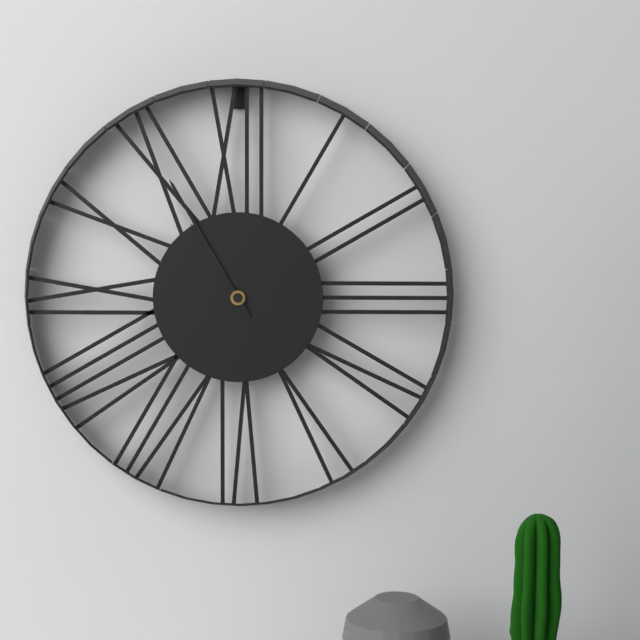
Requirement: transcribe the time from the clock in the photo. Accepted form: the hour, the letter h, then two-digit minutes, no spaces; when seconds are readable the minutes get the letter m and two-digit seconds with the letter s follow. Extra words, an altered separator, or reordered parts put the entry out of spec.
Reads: 10h55
